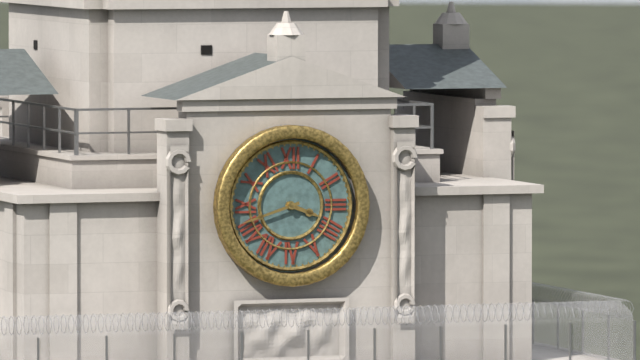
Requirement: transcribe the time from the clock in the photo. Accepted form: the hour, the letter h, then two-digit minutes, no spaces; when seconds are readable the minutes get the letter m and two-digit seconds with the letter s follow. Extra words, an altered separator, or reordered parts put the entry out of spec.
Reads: 3h42
